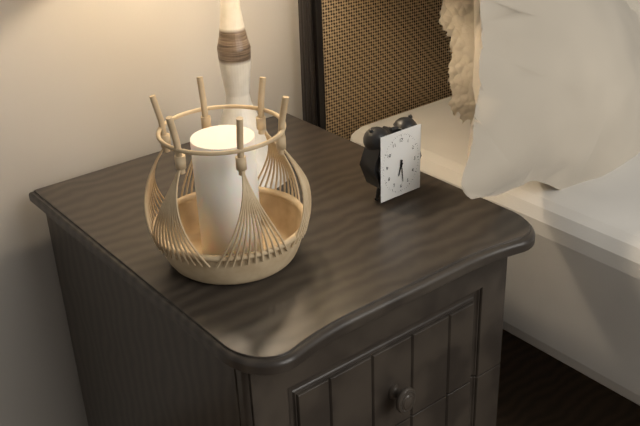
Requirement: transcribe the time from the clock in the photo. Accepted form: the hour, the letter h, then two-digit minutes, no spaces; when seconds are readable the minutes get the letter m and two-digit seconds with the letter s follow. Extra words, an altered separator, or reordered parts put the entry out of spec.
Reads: 6h29
